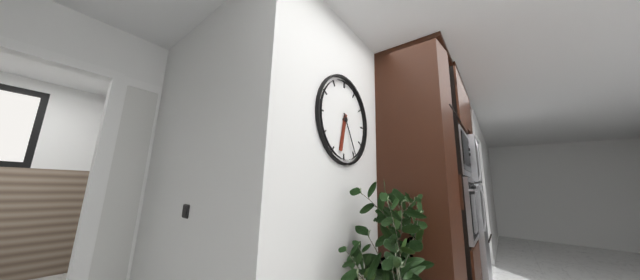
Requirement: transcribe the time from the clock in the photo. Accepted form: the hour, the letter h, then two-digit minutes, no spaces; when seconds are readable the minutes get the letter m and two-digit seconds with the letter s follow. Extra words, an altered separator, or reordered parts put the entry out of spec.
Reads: 6h25
